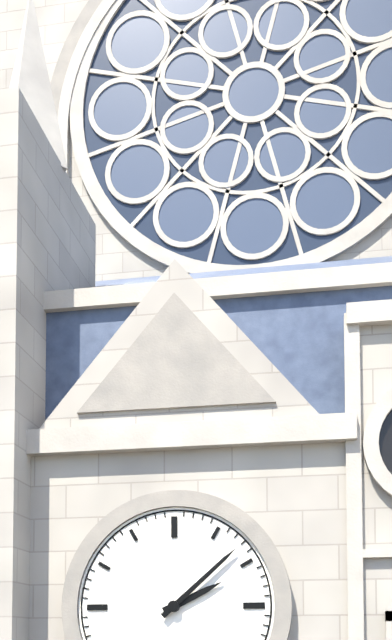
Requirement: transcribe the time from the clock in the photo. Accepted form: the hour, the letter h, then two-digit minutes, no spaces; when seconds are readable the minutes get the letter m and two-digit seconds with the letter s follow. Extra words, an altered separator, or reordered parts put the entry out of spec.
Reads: 2h08
